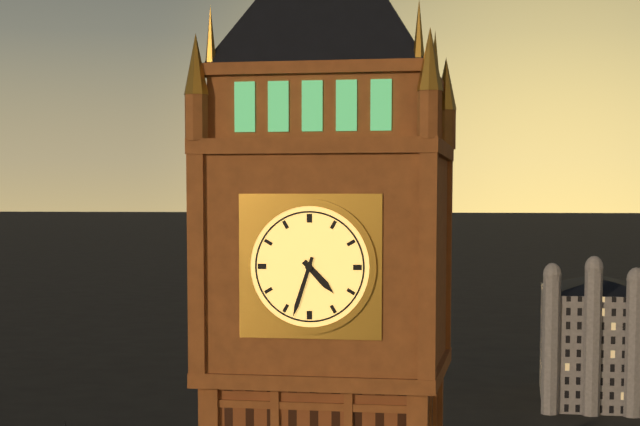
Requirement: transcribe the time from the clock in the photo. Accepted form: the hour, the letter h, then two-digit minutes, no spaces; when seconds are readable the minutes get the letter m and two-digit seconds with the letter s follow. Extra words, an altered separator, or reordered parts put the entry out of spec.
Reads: 4h33
